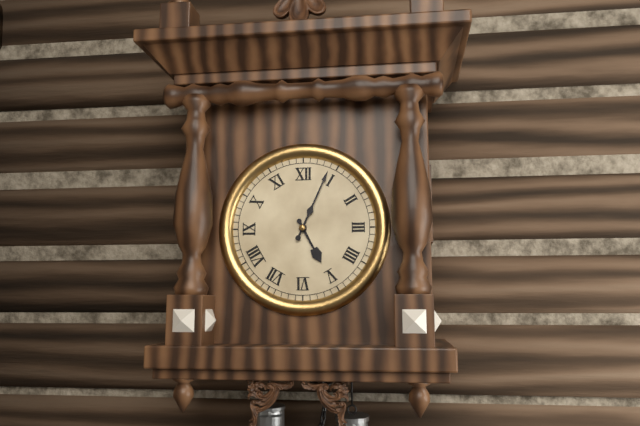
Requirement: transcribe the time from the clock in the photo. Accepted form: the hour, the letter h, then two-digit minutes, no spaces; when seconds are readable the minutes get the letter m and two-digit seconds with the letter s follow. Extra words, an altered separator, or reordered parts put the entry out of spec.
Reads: 5h04
